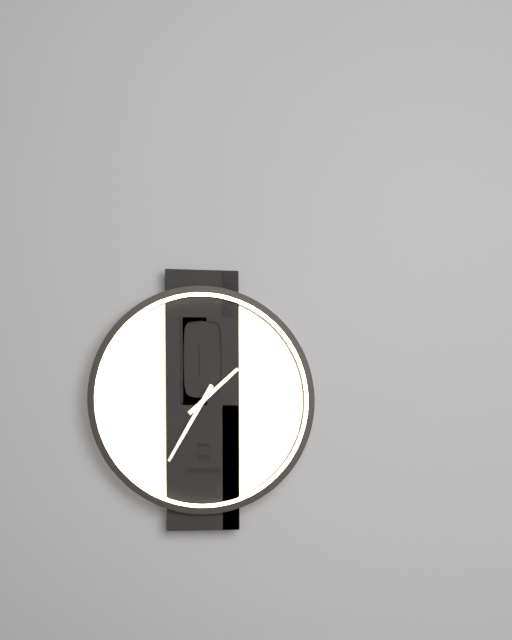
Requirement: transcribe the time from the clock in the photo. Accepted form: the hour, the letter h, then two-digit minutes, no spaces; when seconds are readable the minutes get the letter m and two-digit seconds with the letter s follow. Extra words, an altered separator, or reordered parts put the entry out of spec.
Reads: 1h35
